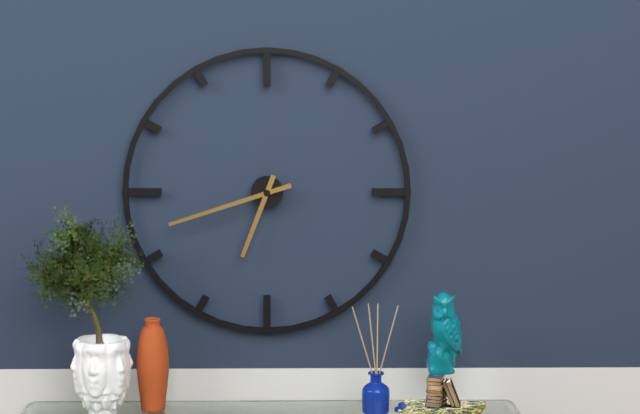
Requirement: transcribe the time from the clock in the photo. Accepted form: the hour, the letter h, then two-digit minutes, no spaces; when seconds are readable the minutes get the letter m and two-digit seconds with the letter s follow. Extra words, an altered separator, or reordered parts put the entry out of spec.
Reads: 6h42
